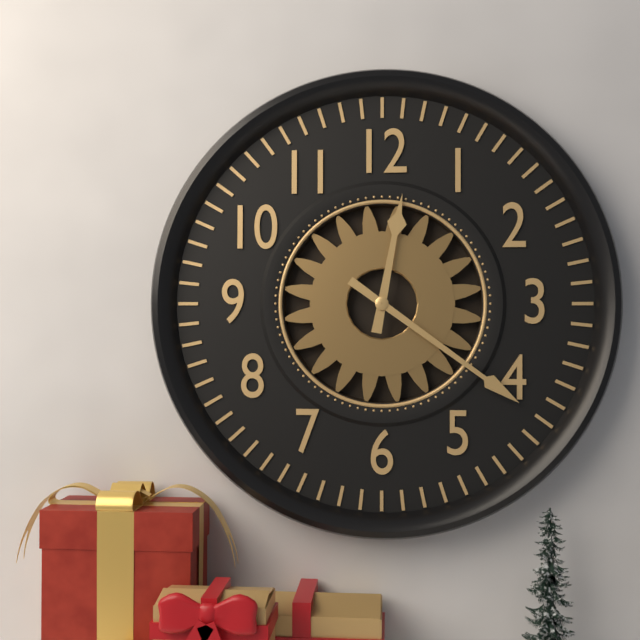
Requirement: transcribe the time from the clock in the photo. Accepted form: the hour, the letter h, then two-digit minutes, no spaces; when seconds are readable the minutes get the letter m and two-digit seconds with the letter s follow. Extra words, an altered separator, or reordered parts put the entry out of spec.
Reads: 12h21
